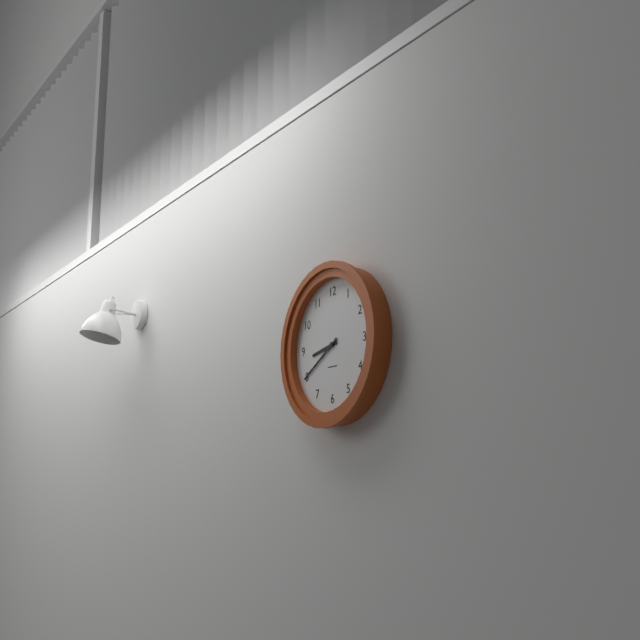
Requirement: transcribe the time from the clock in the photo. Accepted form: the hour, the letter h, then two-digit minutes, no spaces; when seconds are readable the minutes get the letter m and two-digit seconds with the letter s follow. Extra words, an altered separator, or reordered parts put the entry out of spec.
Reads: 8h40
